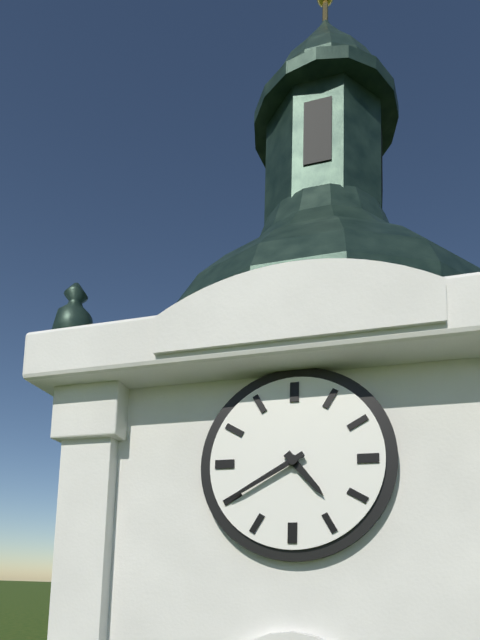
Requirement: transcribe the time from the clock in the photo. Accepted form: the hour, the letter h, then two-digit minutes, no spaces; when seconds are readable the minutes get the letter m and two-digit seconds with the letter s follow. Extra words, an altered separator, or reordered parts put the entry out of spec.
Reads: 4h40
